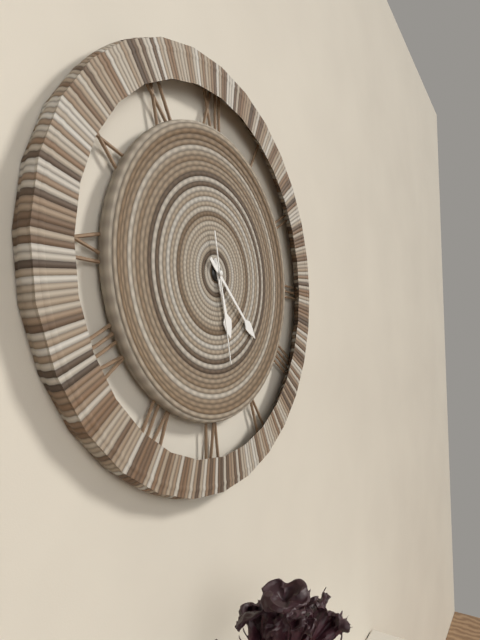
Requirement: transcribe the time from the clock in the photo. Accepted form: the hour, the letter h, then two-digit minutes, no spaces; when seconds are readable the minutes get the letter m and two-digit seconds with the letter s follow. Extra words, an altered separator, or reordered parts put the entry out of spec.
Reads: 5h22m28s
